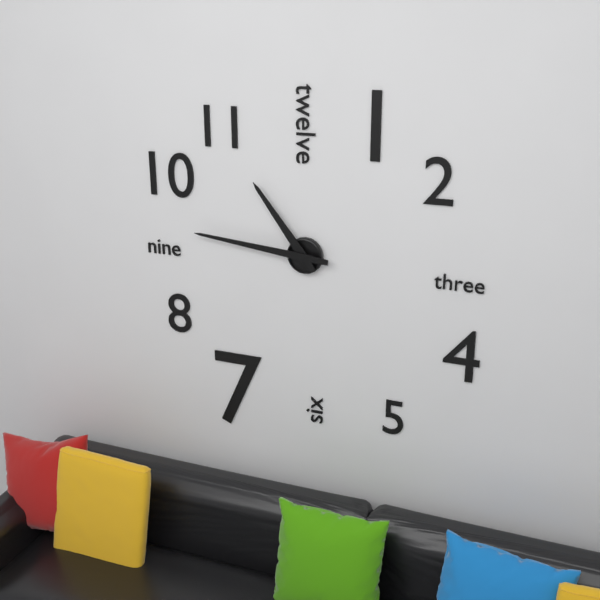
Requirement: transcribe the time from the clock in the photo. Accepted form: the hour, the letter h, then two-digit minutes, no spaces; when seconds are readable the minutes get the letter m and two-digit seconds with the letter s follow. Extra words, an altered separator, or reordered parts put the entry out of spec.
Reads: 10h46
